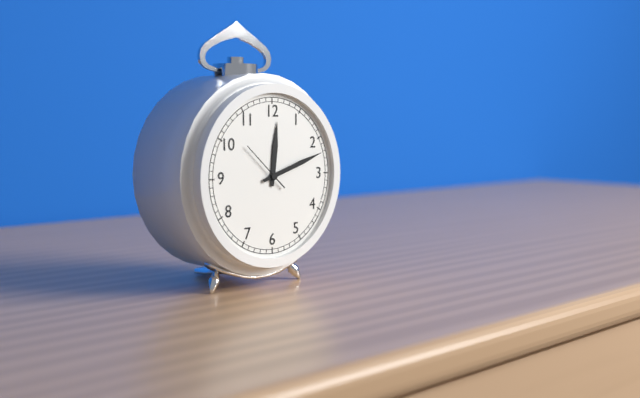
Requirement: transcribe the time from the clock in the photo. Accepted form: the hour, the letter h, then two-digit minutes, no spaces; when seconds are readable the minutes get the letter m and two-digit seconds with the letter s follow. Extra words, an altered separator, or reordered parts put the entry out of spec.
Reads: 12h12
